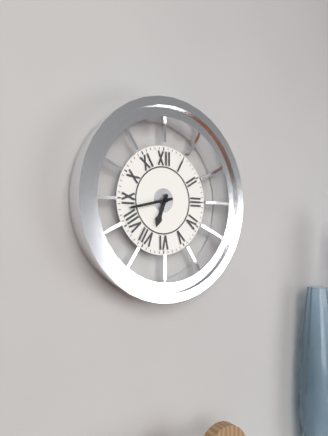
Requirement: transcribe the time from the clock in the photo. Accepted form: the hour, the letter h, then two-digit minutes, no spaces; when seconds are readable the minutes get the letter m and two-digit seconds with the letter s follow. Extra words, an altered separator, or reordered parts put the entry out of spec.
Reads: 6h43
